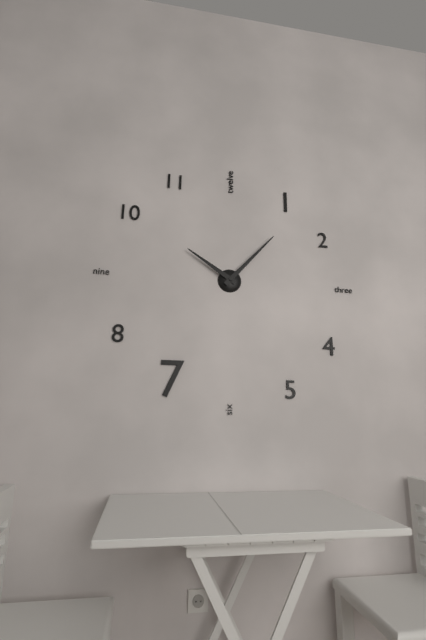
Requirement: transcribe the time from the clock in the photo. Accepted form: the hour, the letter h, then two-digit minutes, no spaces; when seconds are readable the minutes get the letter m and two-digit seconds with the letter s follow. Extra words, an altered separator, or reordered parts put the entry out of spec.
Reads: 10h07
